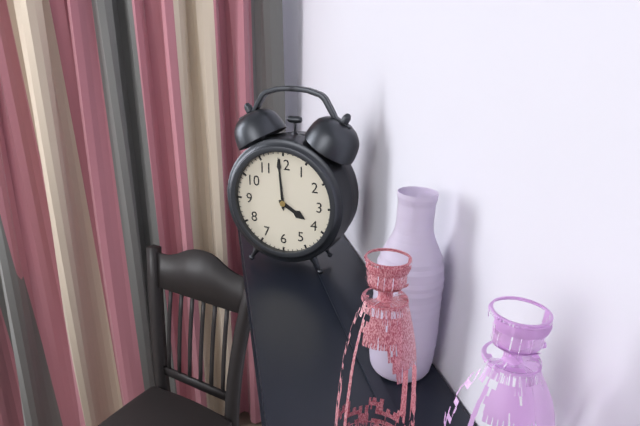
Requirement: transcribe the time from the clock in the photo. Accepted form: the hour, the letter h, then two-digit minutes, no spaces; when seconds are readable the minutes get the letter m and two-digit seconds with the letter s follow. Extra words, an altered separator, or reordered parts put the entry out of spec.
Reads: 3h59
